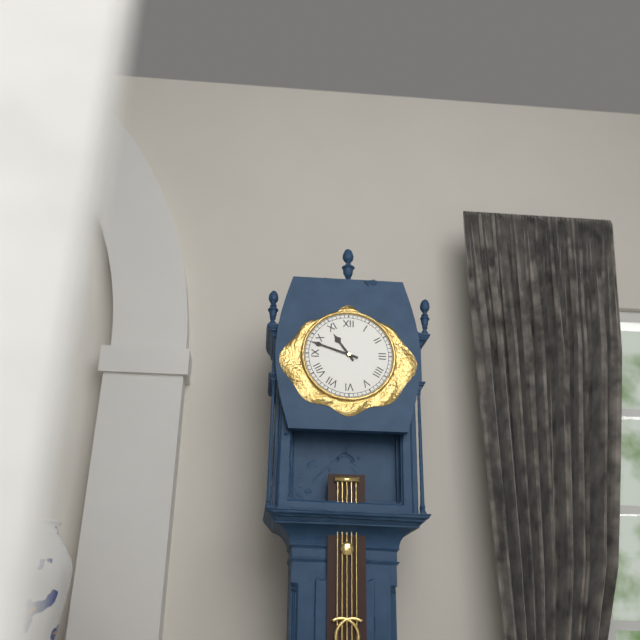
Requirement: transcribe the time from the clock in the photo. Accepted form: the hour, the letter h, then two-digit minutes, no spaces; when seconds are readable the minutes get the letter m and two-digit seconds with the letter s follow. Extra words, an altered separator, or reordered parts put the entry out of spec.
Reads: 10h48
